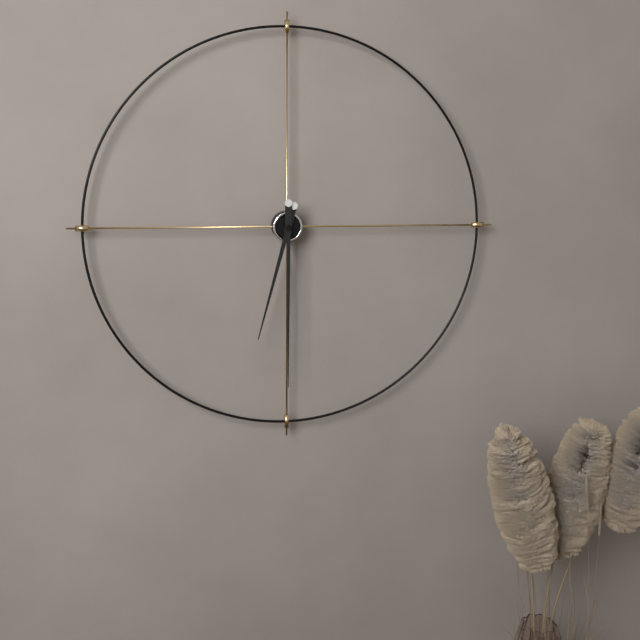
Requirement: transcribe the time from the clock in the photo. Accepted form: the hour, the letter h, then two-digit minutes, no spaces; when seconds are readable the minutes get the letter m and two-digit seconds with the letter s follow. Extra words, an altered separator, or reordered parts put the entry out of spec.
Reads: 6h30
